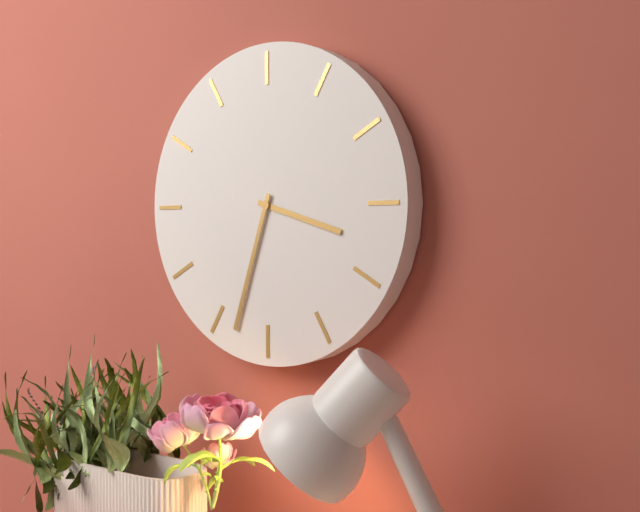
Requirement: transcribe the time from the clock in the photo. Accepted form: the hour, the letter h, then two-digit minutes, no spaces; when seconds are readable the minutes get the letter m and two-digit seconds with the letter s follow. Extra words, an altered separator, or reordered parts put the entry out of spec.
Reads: 3h33
